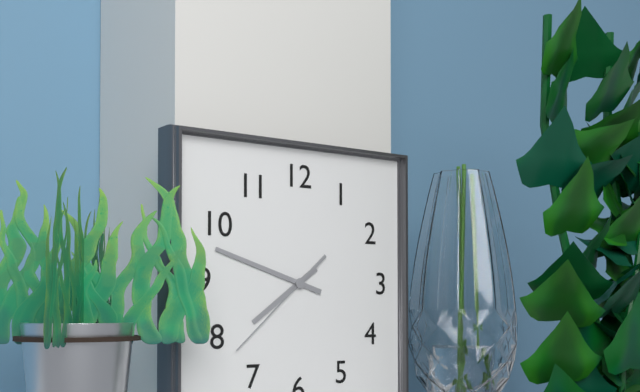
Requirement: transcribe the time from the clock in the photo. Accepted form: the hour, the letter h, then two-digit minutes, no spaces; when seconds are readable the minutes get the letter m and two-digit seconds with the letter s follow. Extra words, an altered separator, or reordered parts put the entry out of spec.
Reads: 7h48m38s
